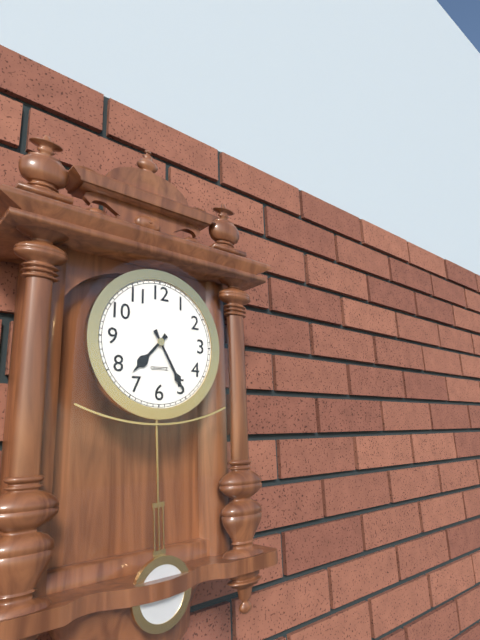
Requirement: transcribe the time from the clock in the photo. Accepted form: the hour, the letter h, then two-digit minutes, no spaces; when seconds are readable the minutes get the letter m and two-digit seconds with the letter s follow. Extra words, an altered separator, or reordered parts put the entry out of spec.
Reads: 7h25
